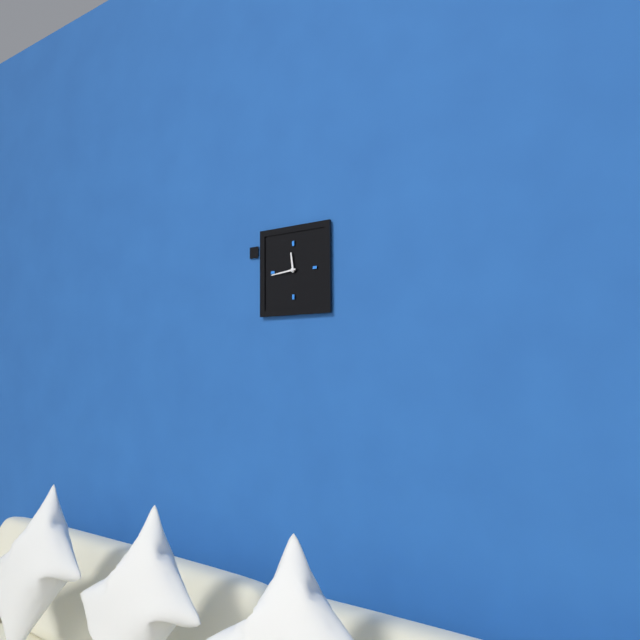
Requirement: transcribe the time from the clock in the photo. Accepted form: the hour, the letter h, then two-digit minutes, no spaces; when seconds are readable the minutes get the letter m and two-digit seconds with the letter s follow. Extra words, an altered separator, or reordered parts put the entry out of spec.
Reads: 11h44
